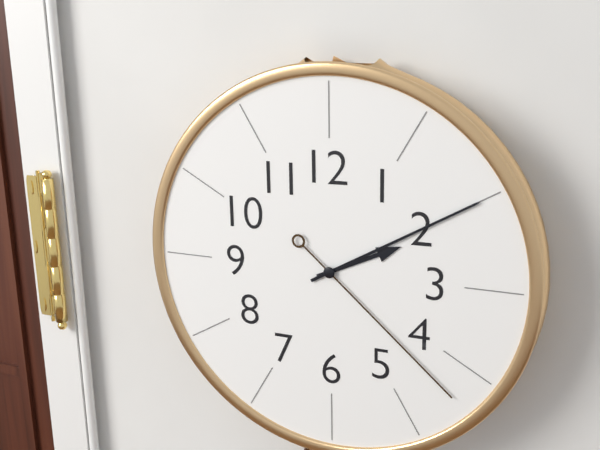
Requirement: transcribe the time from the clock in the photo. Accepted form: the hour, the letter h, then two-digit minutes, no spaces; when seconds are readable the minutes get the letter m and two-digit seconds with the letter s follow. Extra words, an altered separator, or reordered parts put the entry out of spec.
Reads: 2h10m22s
